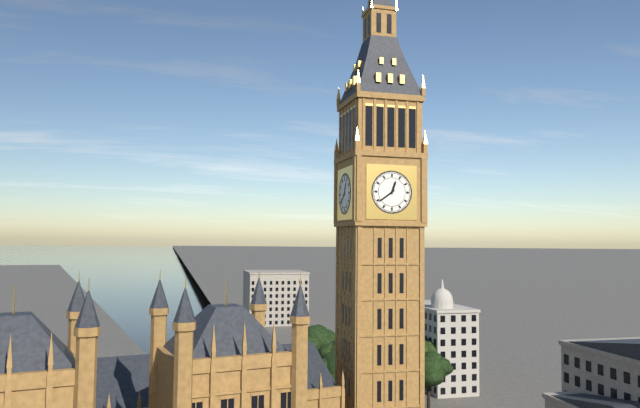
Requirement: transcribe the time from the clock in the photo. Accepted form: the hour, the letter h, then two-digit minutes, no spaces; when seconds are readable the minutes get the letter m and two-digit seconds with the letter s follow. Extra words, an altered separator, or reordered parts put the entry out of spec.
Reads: 12h39
